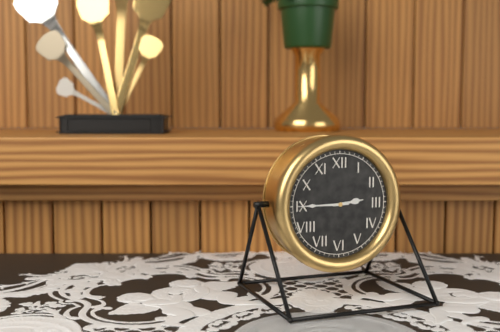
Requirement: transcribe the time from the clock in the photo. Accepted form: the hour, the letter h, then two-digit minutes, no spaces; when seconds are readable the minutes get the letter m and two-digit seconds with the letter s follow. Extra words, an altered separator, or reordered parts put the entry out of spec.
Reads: 2h45
